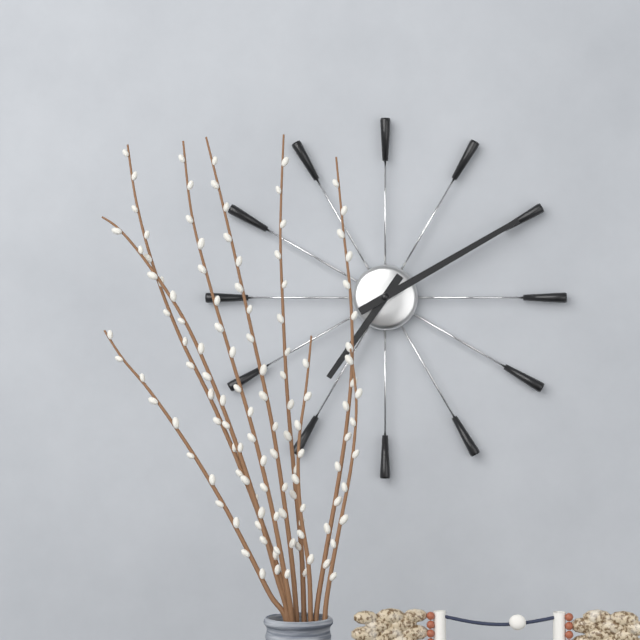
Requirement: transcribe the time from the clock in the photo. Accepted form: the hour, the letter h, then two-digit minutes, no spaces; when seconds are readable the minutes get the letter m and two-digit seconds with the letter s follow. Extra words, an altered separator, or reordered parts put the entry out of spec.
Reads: 7h10
